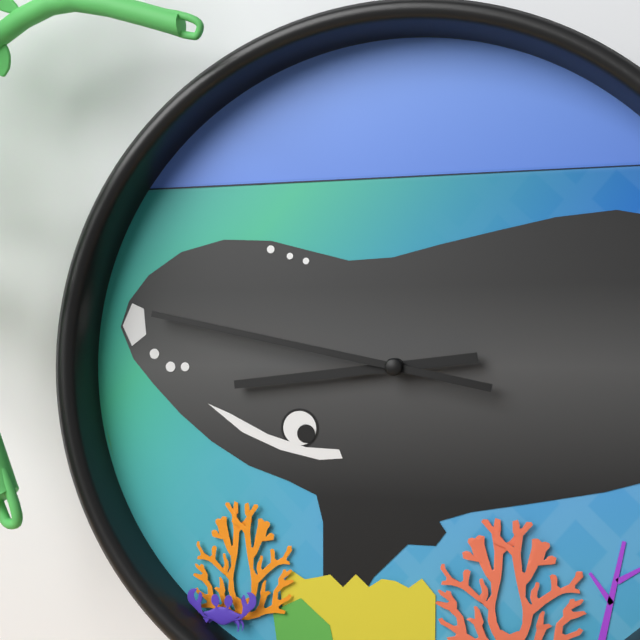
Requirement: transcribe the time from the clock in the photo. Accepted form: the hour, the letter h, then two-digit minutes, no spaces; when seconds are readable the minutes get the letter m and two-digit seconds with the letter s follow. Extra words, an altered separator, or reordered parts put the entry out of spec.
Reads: 8h47
